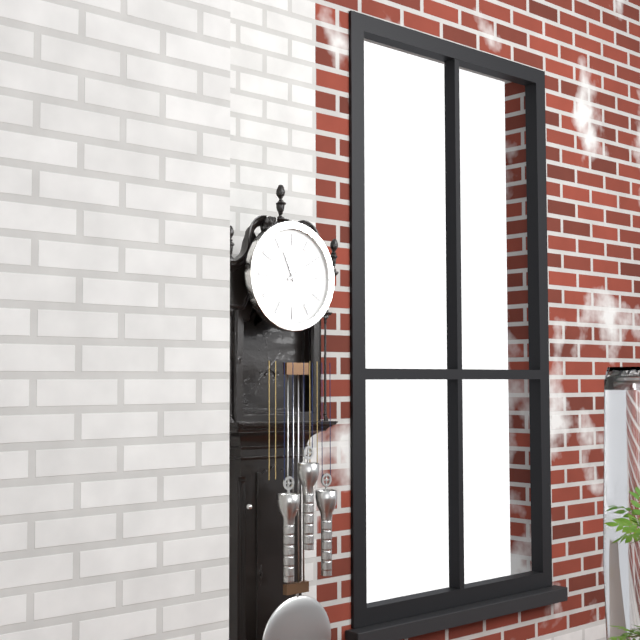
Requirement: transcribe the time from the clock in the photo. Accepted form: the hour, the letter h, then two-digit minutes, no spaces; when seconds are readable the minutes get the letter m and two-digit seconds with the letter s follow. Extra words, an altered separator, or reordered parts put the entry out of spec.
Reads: 11h10
